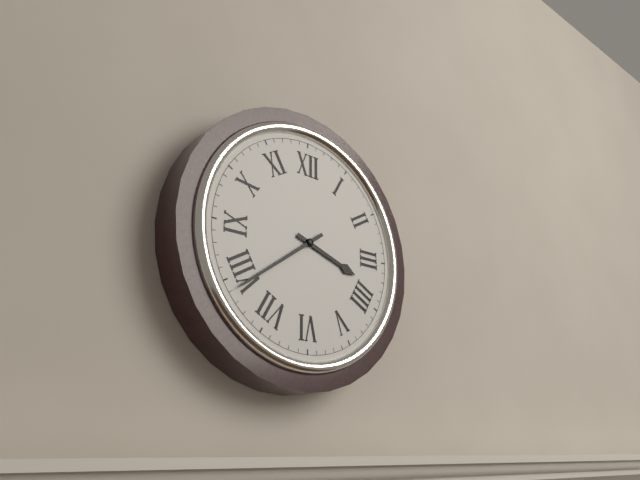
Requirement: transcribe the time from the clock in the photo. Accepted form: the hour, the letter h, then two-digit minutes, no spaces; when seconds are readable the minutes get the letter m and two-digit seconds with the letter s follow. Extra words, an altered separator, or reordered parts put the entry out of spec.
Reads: 3h39
